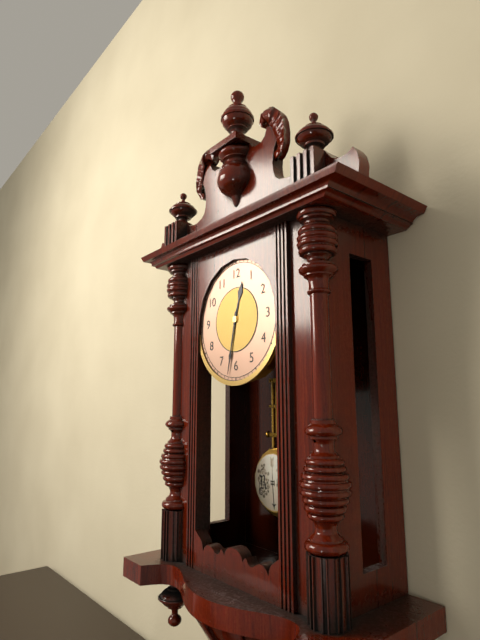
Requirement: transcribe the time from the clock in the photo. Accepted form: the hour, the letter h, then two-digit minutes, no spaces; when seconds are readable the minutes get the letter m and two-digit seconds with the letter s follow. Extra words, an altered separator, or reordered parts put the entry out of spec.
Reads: 12h32
